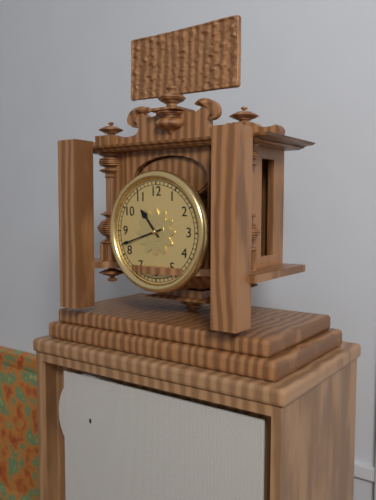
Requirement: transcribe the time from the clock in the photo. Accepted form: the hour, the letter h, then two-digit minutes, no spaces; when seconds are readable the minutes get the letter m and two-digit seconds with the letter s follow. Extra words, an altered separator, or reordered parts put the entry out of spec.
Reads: 10h42
